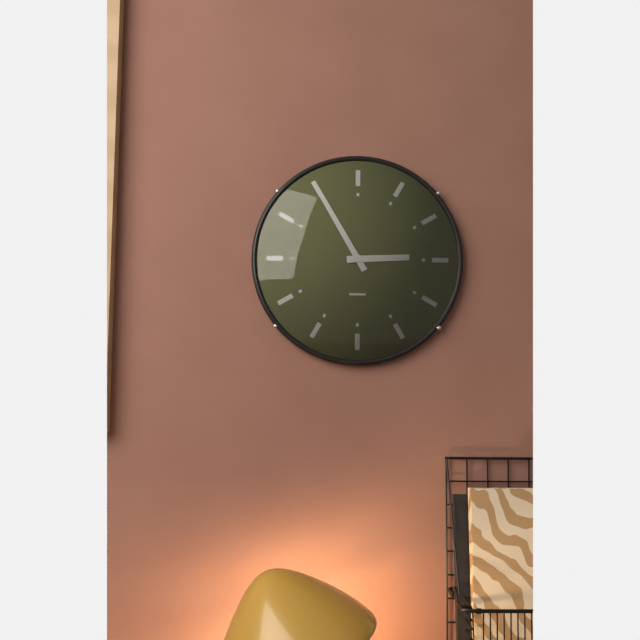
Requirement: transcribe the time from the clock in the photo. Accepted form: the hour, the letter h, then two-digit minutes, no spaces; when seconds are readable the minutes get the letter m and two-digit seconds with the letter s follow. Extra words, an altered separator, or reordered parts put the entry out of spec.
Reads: 2h55
